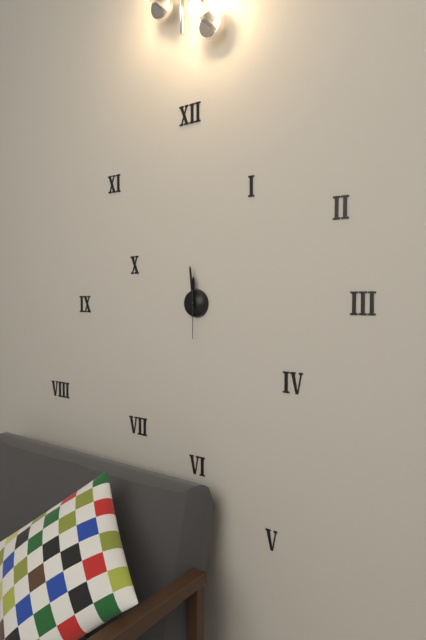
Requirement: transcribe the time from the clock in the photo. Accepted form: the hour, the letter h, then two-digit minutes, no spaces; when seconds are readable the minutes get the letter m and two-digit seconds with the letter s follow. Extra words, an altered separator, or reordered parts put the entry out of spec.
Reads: 11h59
